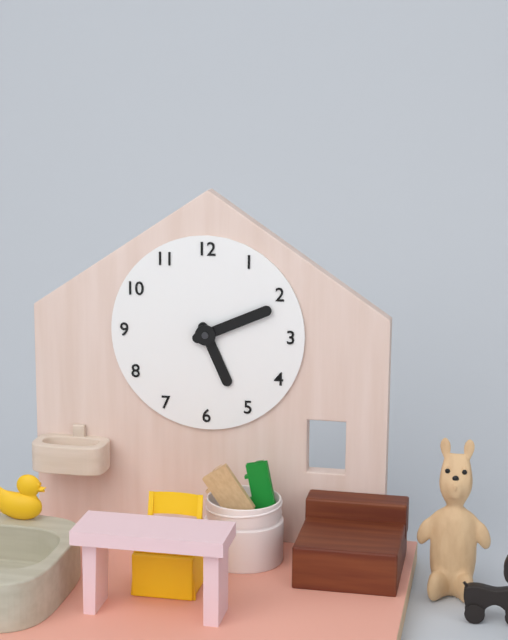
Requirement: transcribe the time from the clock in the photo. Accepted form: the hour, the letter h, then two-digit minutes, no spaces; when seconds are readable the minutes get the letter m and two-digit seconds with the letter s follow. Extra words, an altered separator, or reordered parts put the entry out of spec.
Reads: 5h11
